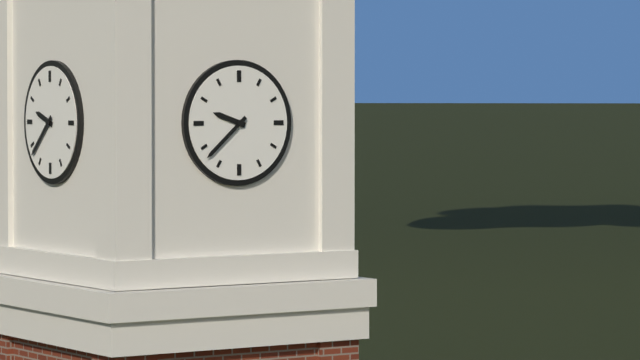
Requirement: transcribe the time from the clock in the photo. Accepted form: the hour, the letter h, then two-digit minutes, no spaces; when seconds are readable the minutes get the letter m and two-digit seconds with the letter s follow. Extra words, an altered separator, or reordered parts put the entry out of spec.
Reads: 9h38
